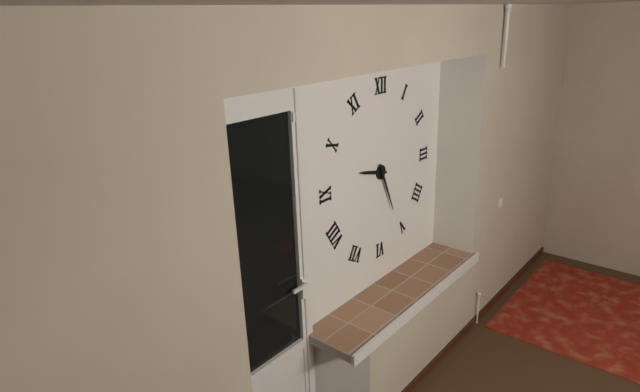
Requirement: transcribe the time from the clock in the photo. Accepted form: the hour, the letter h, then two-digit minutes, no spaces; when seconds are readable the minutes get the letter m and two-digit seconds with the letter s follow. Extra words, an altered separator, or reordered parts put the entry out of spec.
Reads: 9h26
